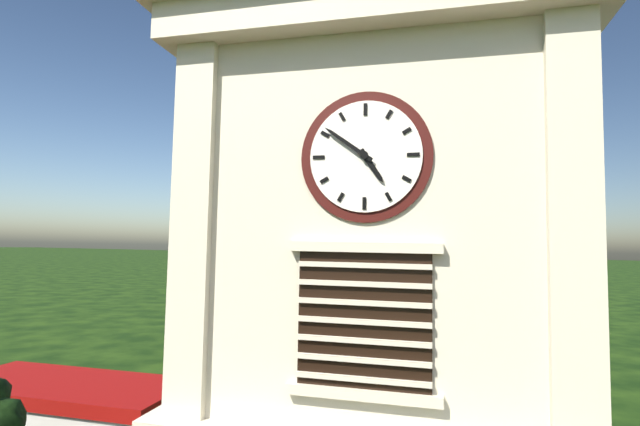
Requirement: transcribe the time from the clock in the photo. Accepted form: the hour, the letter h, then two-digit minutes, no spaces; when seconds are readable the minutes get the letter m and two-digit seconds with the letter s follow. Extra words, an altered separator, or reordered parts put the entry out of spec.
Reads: 4h51
